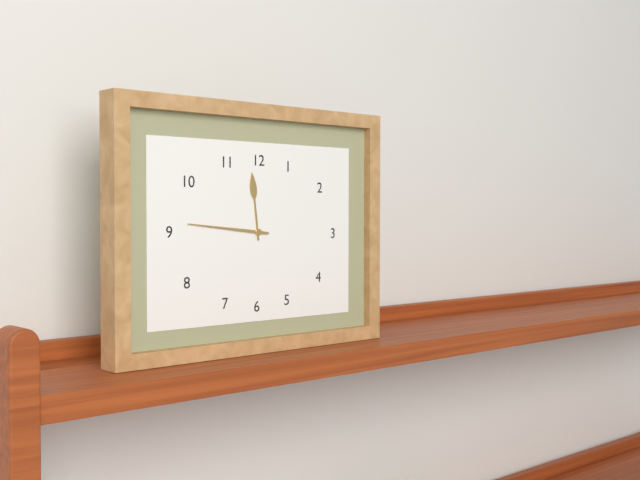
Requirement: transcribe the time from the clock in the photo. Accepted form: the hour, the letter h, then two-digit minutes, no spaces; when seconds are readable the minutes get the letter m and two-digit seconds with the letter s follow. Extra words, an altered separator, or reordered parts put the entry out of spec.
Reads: 11h46
